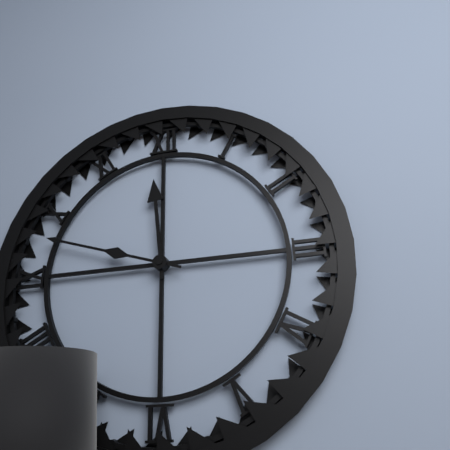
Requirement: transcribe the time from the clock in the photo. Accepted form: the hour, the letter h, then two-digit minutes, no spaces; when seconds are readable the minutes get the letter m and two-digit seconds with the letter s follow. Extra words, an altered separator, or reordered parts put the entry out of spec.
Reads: 11h48
